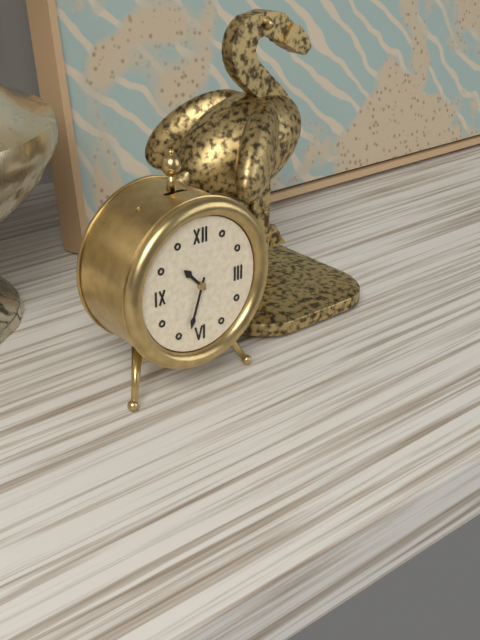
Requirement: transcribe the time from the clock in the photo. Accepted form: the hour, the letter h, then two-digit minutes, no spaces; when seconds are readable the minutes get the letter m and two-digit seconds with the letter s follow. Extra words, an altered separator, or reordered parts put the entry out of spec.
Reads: 10h33
